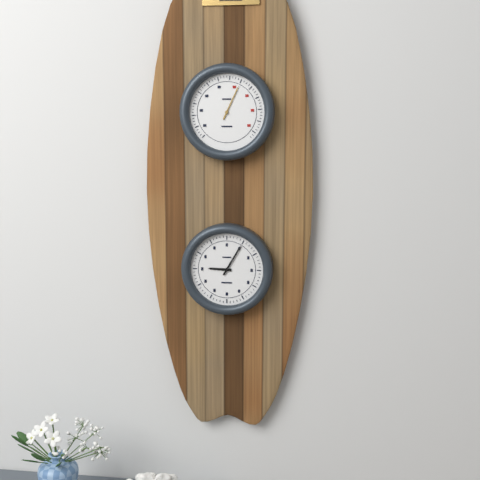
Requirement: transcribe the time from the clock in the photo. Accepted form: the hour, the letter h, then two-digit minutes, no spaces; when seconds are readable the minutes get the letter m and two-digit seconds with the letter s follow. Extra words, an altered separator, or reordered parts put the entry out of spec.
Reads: 9h05
